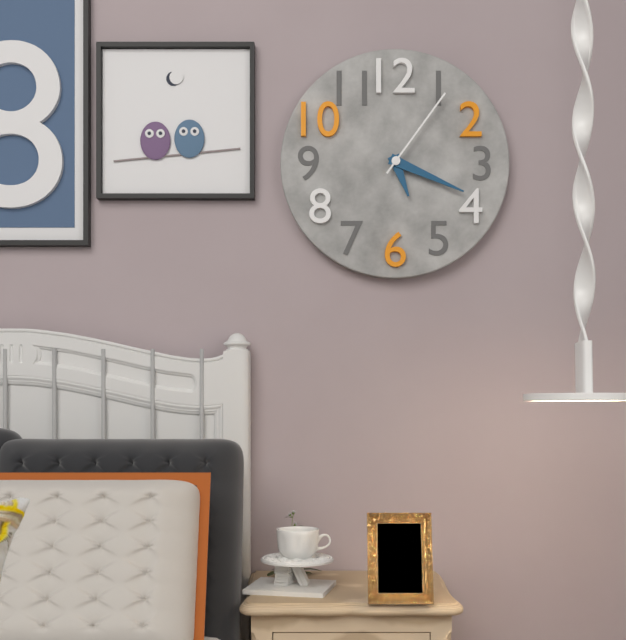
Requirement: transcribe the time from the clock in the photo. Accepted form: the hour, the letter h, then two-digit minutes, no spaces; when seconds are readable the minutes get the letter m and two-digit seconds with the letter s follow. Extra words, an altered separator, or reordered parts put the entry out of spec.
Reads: 5h19m06s
